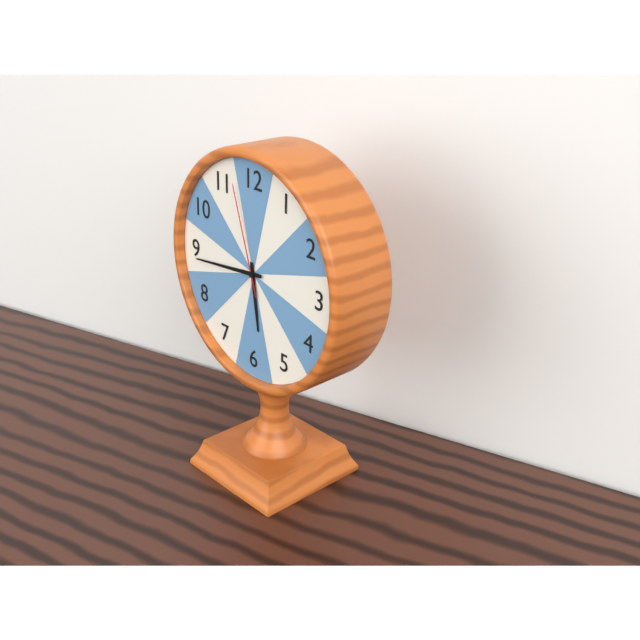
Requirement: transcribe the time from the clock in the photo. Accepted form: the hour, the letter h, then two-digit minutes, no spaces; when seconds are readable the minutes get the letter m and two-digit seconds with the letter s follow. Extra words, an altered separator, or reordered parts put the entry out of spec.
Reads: 5h44m57s
